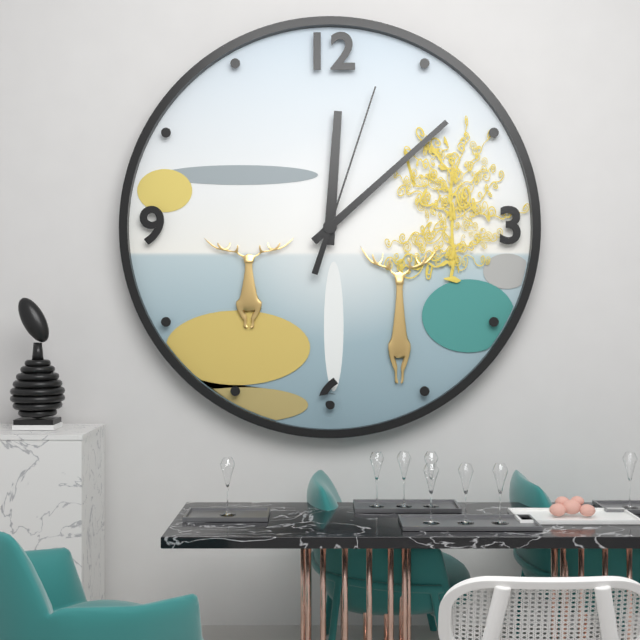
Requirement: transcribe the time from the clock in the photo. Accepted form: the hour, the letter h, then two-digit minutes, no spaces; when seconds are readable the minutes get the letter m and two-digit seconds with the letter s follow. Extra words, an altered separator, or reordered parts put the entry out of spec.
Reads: 12h08m03s
